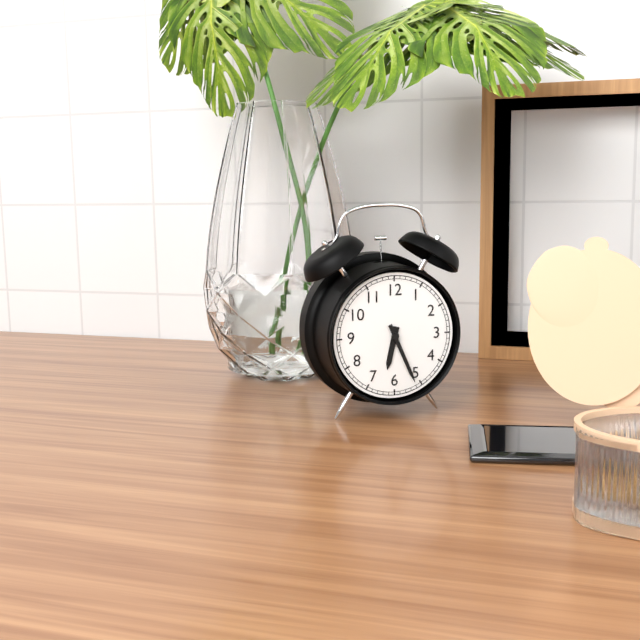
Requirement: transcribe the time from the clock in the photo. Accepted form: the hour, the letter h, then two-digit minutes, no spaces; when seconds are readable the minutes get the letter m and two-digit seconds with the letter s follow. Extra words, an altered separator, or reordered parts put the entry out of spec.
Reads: 6h26
